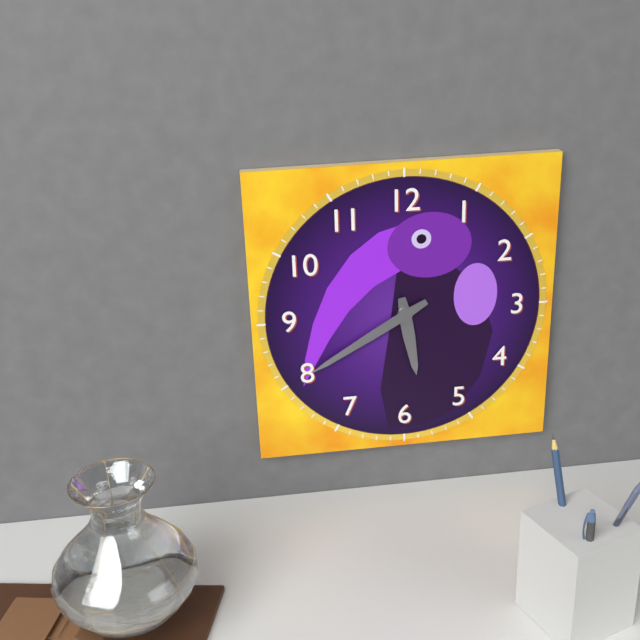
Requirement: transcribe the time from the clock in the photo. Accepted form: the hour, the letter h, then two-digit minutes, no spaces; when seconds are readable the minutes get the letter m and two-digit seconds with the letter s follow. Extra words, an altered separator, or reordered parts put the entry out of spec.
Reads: 5h40
